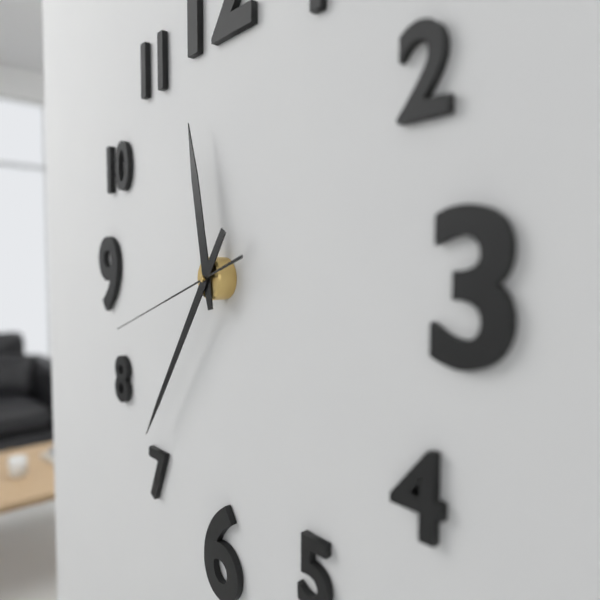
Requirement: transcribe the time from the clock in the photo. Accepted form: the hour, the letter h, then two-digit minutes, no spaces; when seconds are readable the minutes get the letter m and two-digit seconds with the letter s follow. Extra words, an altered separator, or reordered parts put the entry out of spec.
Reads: 11h36m42s
